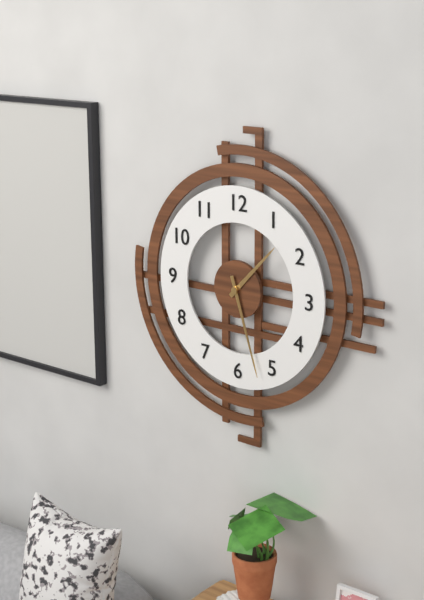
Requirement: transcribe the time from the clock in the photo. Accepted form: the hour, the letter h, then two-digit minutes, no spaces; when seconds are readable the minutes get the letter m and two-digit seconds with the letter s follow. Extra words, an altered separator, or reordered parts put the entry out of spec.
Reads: 1h27
